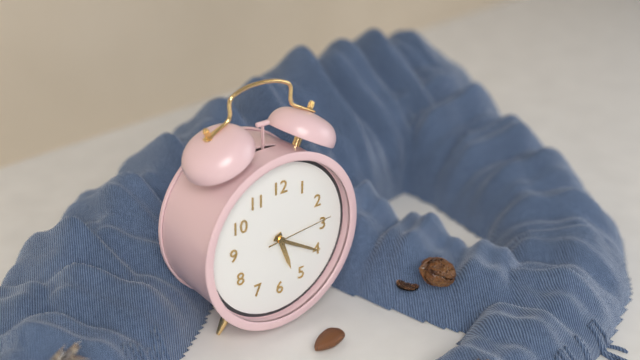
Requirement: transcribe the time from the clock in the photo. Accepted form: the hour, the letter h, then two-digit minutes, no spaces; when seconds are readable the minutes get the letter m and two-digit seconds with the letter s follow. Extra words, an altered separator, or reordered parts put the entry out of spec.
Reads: 5h20m14s
